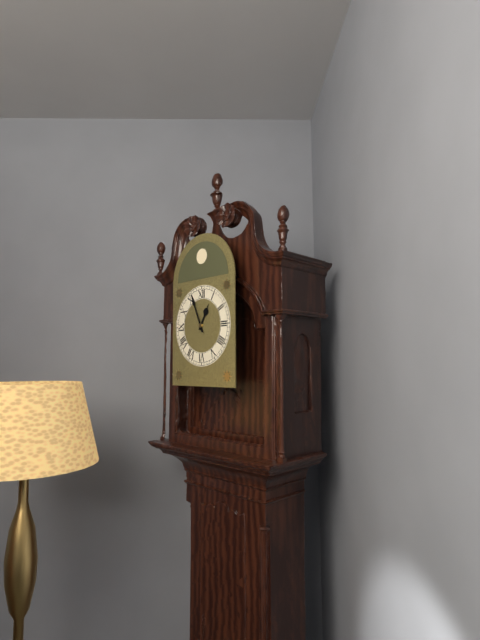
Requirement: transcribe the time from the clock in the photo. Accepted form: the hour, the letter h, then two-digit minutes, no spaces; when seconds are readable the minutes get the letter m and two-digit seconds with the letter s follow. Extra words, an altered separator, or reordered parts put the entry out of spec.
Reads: 12h56
